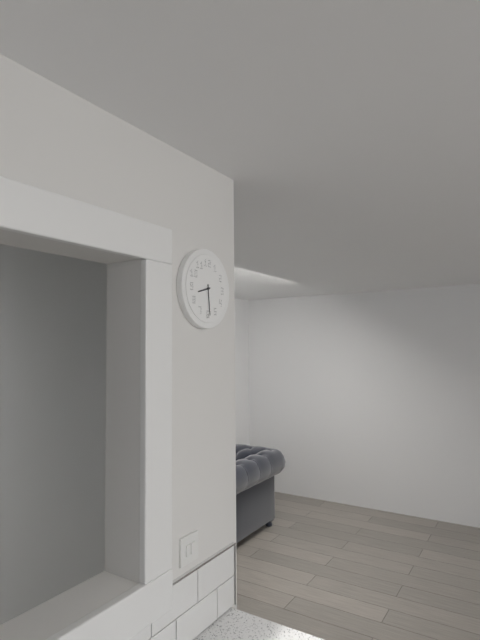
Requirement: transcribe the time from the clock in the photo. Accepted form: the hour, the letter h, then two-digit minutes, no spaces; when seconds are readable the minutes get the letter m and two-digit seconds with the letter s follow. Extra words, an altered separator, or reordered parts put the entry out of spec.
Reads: 8h29
